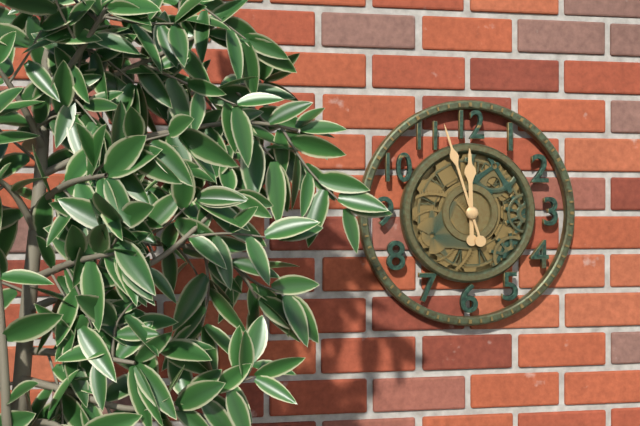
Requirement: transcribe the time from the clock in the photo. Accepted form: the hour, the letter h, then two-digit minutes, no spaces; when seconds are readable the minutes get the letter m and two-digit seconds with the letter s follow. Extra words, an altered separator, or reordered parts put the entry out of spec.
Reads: 11h57
